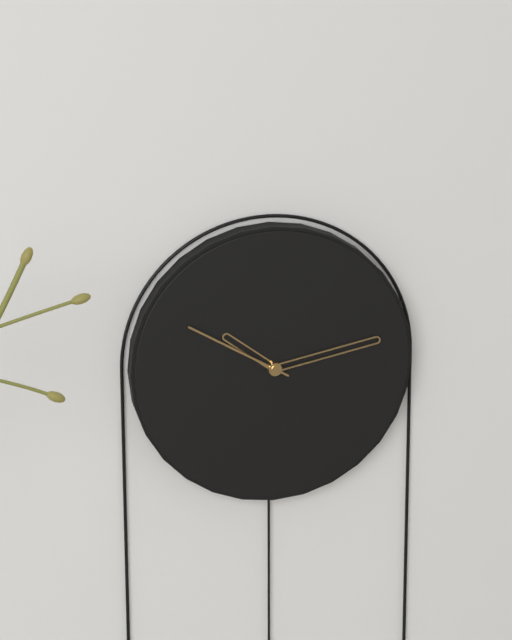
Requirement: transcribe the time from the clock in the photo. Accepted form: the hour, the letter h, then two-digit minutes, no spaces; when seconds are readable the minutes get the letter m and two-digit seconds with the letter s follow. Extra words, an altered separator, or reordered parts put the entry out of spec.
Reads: 10h13m50s
